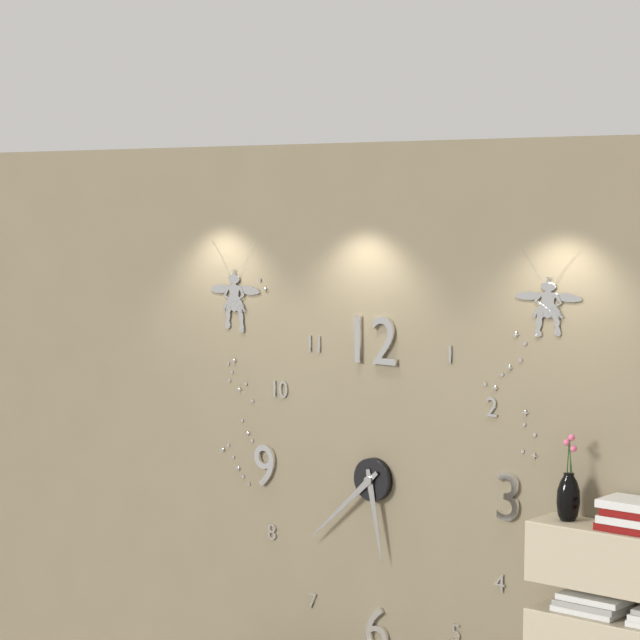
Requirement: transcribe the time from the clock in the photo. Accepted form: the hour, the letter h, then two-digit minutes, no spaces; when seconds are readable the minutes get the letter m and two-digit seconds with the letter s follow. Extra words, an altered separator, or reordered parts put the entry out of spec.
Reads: 5h38
